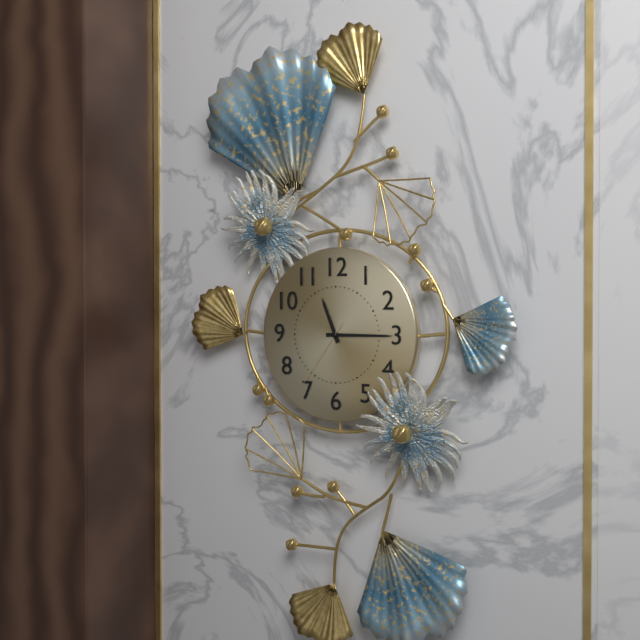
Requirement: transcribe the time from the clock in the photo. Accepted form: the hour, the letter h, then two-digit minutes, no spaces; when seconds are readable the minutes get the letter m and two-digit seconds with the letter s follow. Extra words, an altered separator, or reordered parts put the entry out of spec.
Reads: 11h15m36s
